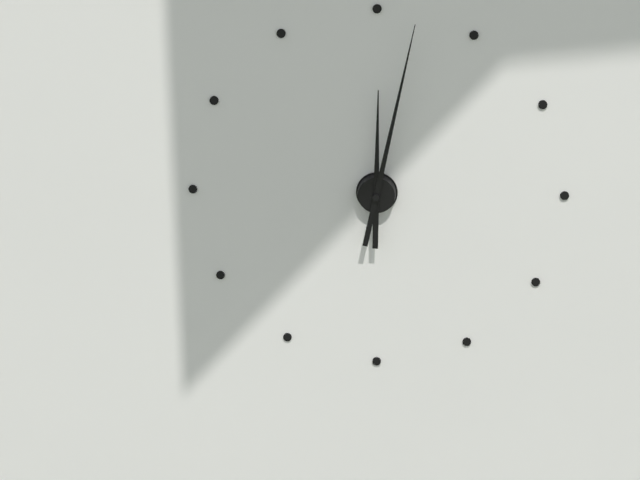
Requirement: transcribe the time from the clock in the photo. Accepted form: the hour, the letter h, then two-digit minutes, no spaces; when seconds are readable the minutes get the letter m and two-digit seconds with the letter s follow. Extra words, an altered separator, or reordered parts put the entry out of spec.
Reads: 12h02
